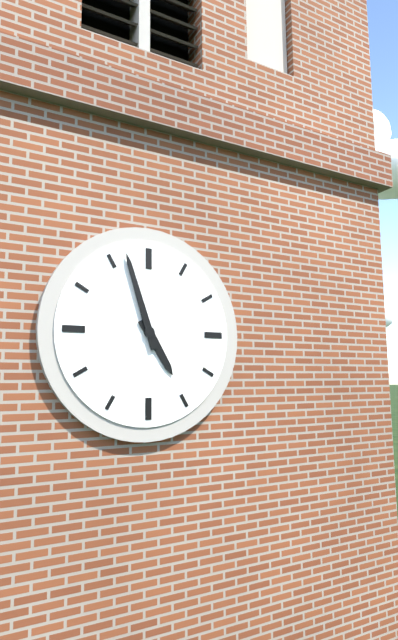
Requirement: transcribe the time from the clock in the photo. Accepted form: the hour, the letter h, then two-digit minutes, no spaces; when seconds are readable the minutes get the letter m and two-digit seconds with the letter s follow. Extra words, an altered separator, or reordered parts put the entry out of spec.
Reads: 4h57
